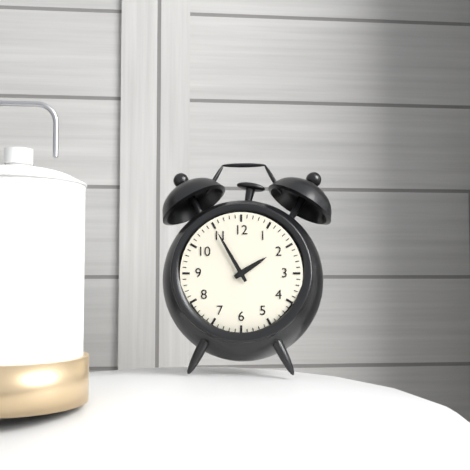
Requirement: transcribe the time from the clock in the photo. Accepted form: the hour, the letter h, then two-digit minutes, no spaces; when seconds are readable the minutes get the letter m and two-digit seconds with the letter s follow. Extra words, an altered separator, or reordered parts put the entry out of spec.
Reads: 1h55
